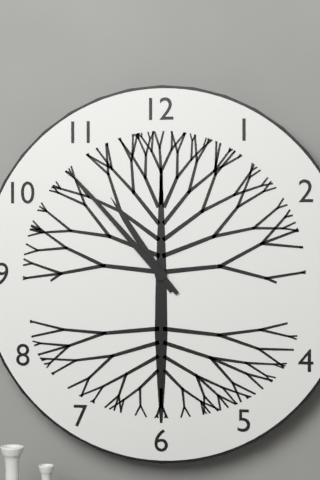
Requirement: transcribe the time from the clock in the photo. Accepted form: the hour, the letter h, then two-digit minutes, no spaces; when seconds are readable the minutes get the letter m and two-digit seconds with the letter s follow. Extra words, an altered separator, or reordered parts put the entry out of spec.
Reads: 10h53
